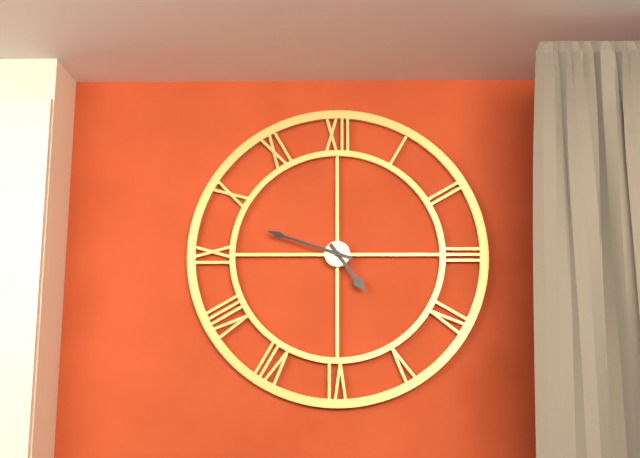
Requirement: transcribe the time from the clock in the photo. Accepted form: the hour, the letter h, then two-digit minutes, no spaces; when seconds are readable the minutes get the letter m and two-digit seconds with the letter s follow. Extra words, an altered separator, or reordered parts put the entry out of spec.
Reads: 4h48
